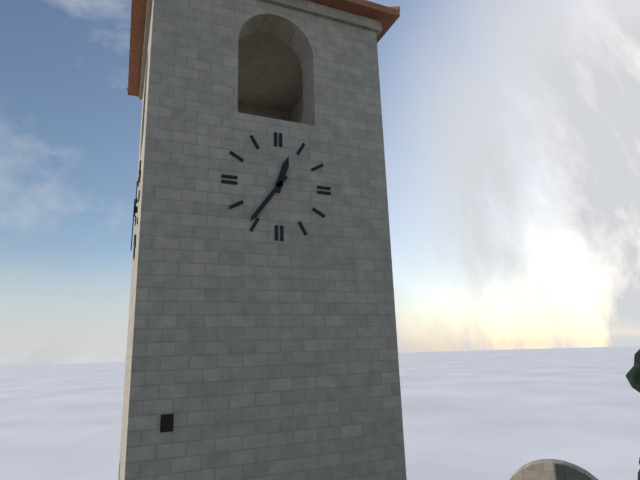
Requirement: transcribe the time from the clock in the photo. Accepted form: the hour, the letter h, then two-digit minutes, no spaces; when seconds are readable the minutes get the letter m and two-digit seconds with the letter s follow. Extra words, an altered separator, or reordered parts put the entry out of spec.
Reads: 12h36
